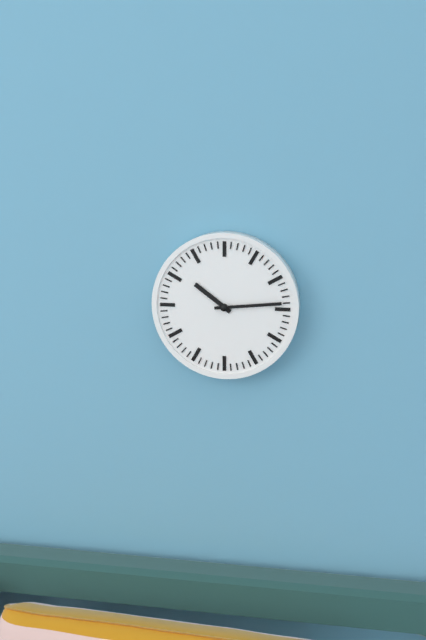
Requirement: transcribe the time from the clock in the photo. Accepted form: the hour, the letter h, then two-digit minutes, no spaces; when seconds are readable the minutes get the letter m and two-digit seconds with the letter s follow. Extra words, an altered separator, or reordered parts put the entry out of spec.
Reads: 10h14
